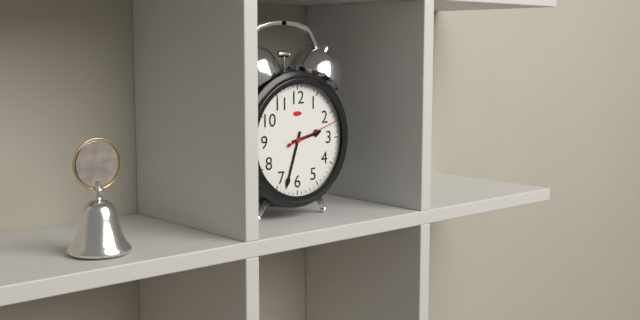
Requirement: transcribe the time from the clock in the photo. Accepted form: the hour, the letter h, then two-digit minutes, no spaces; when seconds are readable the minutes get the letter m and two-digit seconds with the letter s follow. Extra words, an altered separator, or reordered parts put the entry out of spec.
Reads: 2h33m12s
